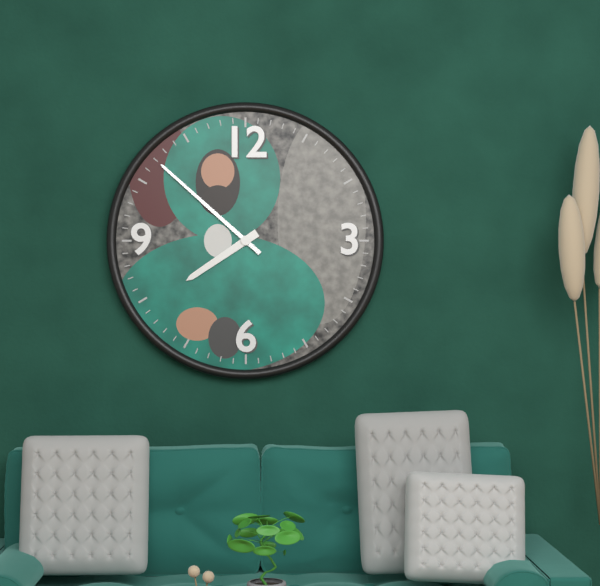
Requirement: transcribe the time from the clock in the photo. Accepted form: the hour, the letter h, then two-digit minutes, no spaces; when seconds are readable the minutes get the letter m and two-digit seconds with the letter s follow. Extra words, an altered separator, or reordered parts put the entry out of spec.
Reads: 7h52
